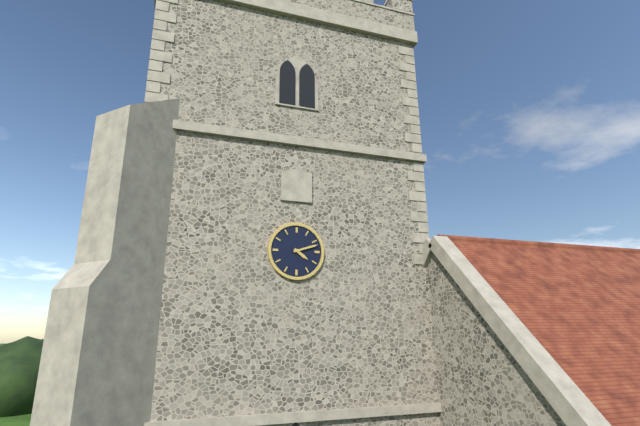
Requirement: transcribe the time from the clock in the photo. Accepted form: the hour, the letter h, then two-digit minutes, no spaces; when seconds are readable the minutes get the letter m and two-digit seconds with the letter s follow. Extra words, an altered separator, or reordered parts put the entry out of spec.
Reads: 4h12
